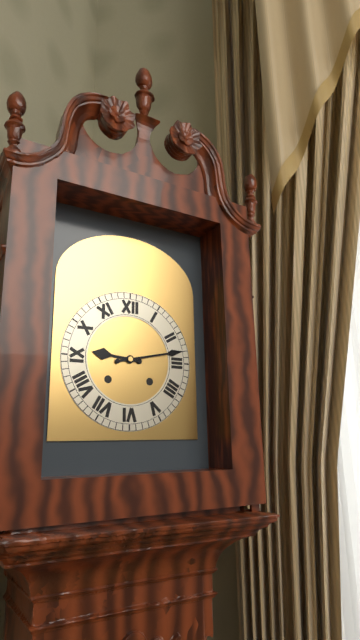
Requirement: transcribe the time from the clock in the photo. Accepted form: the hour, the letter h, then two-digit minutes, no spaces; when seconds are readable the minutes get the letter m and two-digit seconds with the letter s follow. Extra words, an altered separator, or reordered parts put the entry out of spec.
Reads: 9h13
